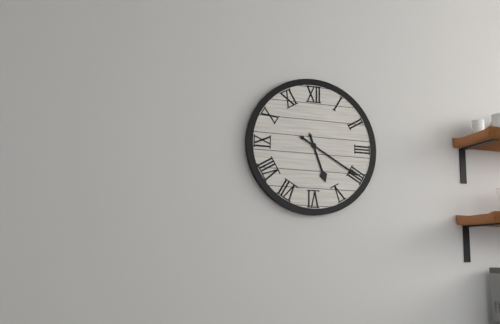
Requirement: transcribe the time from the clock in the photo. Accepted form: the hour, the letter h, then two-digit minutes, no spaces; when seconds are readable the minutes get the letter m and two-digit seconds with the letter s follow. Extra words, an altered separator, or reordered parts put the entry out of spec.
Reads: 5h20
